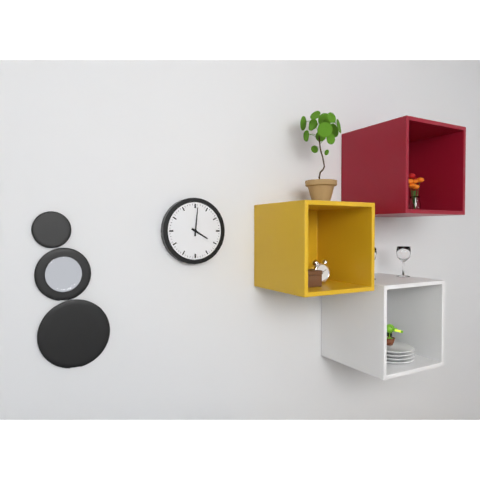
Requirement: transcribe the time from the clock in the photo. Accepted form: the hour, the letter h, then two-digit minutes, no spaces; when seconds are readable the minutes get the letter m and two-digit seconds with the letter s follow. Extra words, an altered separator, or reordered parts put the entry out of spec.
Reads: 4h01
